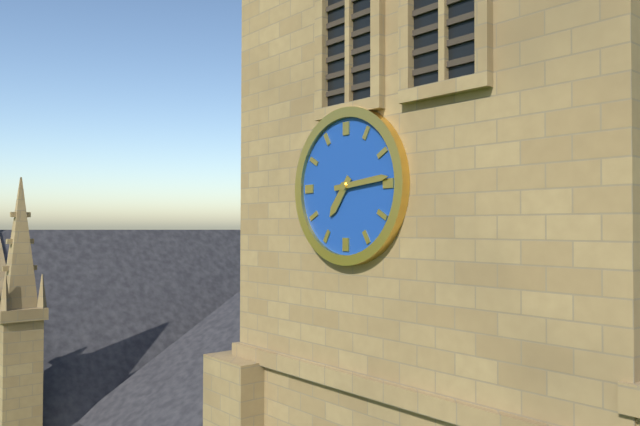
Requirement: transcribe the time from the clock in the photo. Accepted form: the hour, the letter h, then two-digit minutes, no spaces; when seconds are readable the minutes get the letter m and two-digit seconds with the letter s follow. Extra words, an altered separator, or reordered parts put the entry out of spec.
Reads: 7h14
